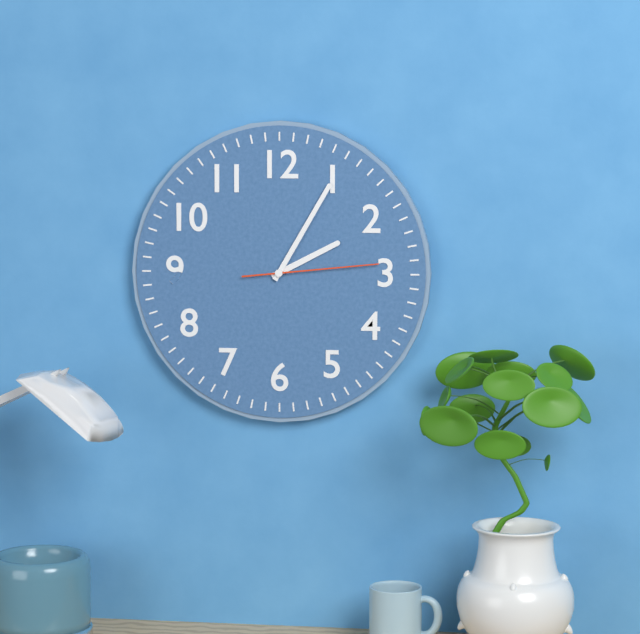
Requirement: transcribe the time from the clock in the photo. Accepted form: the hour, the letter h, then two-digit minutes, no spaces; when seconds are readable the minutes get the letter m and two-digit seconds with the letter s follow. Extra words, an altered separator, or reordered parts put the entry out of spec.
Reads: 2h05m14s
